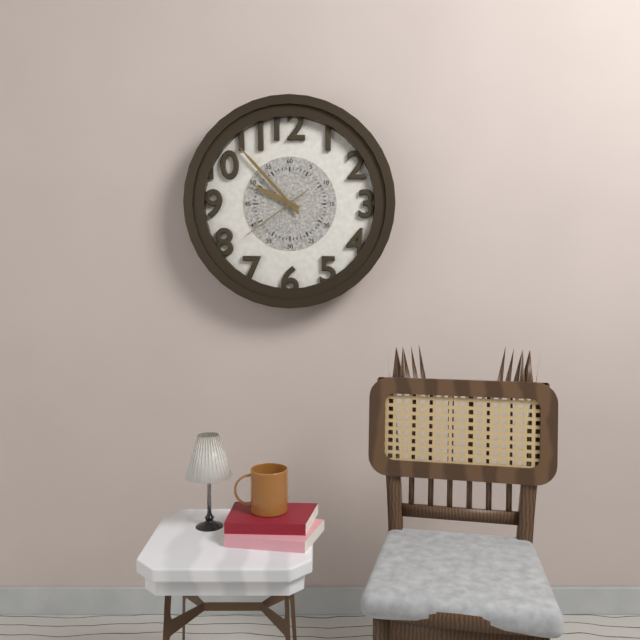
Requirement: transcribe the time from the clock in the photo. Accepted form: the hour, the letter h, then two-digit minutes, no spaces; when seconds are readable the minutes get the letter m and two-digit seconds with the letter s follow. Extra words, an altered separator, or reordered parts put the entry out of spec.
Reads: 9h53m39s
